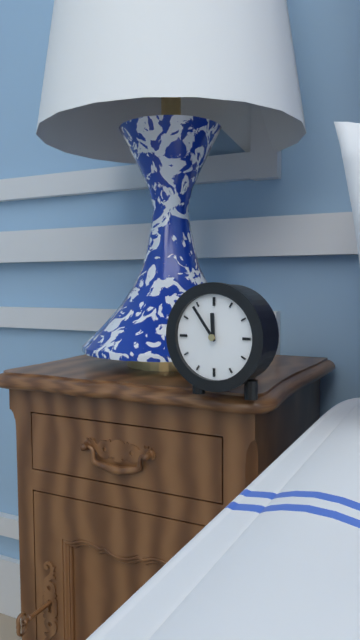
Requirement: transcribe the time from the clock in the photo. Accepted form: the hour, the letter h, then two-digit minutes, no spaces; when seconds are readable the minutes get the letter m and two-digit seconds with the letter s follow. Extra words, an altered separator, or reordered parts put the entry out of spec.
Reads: 11h54
